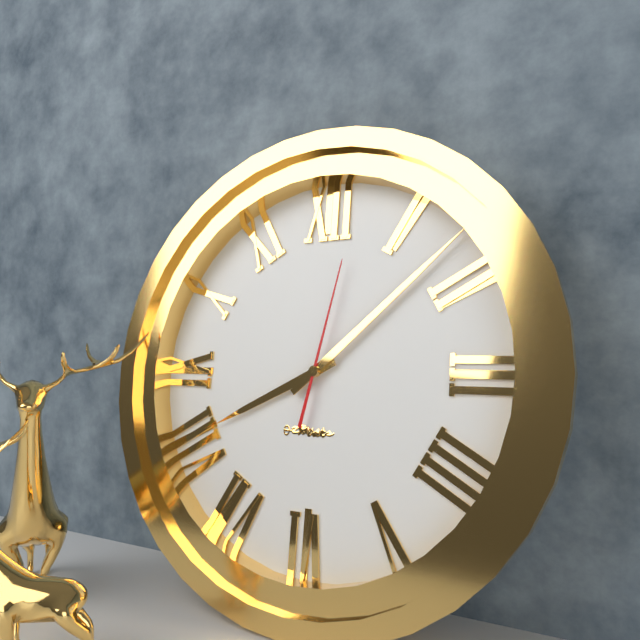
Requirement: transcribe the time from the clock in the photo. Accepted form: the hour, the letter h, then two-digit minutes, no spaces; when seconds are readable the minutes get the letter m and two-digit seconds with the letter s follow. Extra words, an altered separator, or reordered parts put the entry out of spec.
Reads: 8h08m02s
